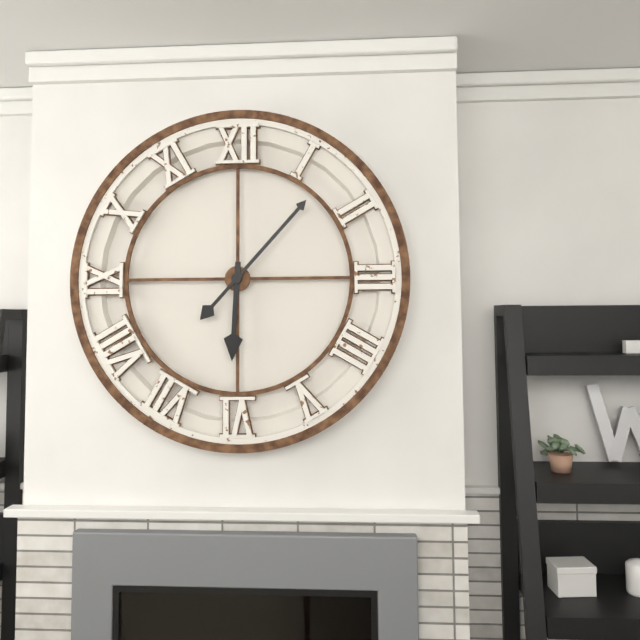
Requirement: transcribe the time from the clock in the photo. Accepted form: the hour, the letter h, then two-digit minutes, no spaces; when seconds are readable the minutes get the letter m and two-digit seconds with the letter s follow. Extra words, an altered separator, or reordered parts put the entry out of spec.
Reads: 6h07
